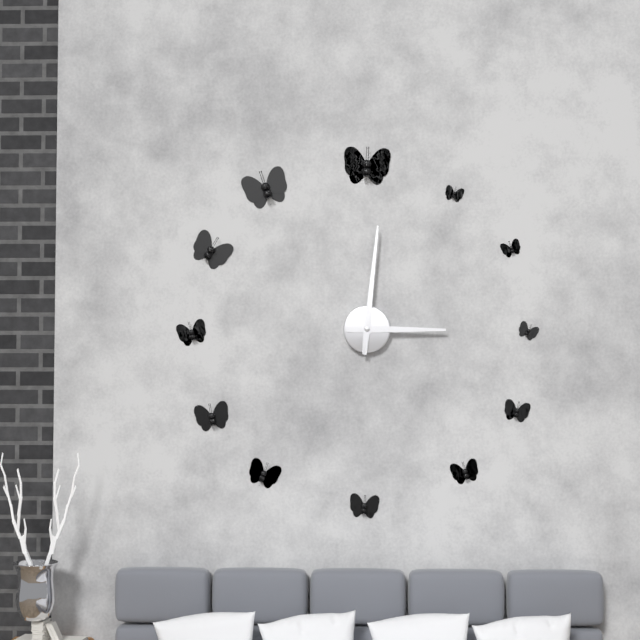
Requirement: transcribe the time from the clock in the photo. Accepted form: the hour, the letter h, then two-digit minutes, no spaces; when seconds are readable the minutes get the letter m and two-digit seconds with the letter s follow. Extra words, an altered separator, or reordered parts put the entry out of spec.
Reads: 3h01
